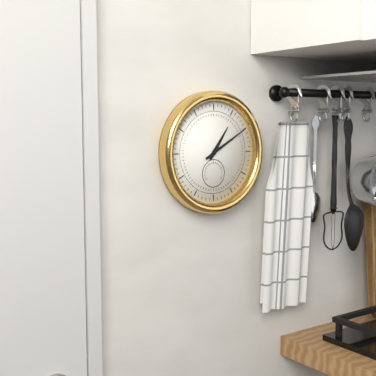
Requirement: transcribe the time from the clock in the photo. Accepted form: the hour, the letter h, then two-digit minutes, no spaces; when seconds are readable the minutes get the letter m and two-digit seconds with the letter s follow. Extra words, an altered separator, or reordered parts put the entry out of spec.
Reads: 1h10
